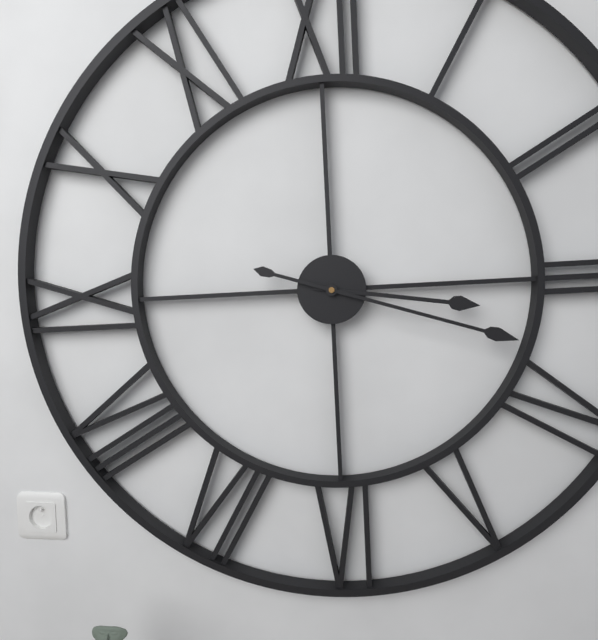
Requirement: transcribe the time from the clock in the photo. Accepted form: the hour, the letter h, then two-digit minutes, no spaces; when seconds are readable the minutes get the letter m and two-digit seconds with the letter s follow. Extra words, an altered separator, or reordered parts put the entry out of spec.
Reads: 3h18
